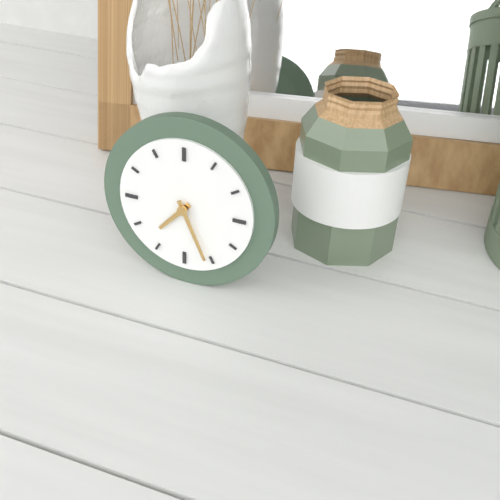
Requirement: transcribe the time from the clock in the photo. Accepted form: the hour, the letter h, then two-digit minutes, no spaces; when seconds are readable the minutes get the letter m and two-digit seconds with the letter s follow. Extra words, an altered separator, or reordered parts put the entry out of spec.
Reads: 7h26
